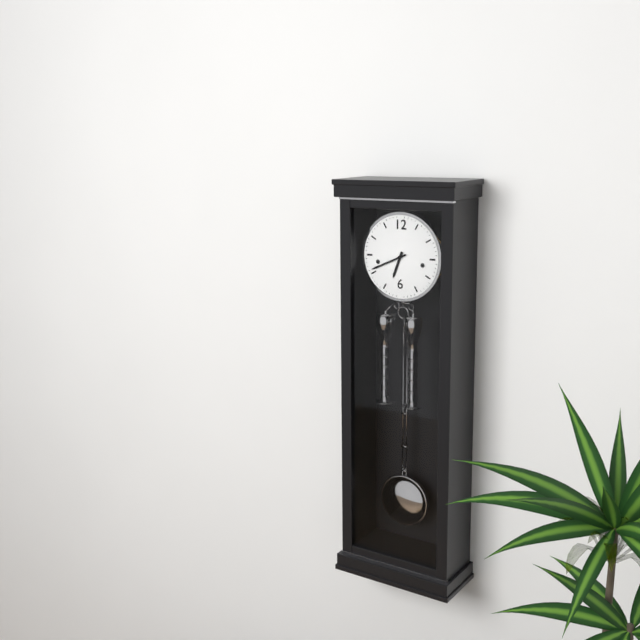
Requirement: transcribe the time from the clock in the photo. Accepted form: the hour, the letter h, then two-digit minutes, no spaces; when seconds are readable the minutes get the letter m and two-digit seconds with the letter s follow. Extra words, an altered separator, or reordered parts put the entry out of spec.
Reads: 6h41
